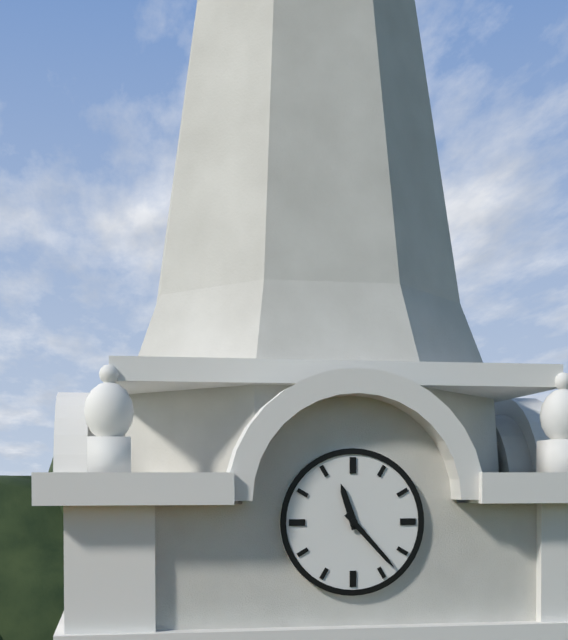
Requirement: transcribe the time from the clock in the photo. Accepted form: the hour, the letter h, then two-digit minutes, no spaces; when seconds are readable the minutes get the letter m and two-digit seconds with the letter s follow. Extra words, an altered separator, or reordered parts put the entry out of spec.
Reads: 11h23
